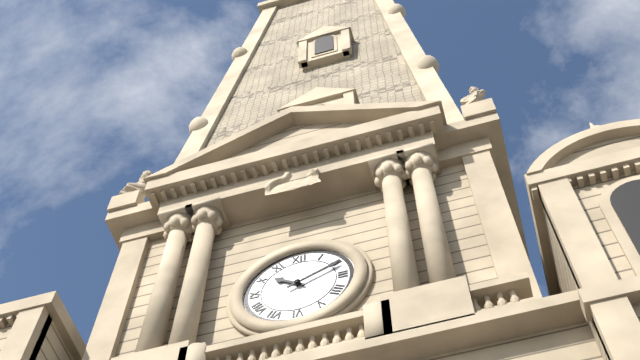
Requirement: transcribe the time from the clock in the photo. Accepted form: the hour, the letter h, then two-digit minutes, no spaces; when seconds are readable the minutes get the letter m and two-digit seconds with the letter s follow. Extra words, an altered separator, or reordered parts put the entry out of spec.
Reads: 10h11
